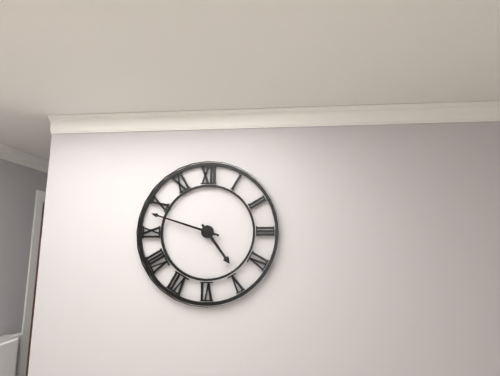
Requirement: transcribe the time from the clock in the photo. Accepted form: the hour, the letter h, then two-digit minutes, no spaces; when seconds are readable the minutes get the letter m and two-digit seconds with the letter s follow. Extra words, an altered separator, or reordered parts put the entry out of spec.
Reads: 4h48
